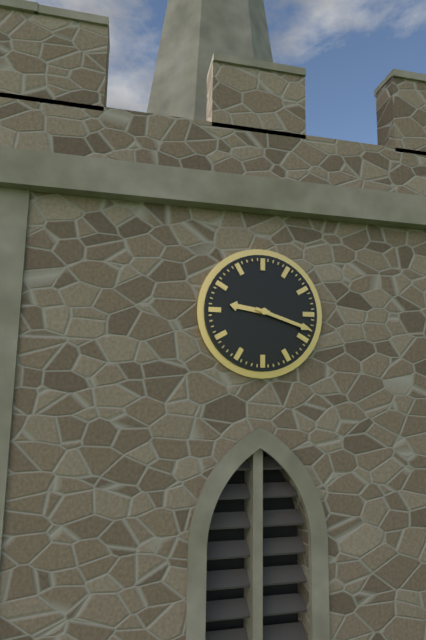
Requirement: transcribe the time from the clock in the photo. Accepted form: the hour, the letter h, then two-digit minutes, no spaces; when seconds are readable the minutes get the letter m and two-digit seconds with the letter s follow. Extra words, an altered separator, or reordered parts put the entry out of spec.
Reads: 9h18
